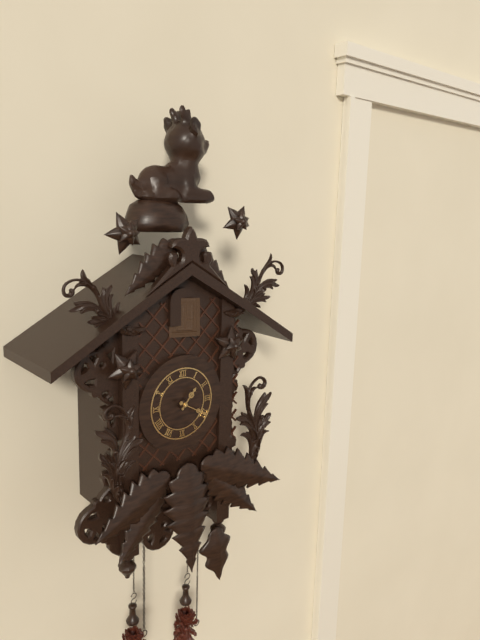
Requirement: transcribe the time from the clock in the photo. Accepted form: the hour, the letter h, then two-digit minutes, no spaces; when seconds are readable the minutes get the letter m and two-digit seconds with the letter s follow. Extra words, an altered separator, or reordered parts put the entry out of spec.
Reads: 1h20
